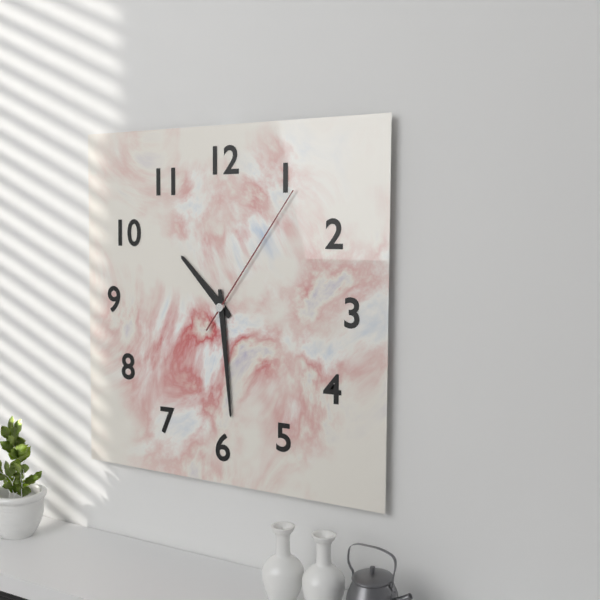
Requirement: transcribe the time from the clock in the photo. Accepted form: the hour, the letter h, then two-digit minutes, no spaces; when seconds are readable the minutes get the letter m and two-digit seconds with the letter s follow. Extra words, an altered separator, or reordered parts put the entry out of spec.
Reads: 10h29m06s
